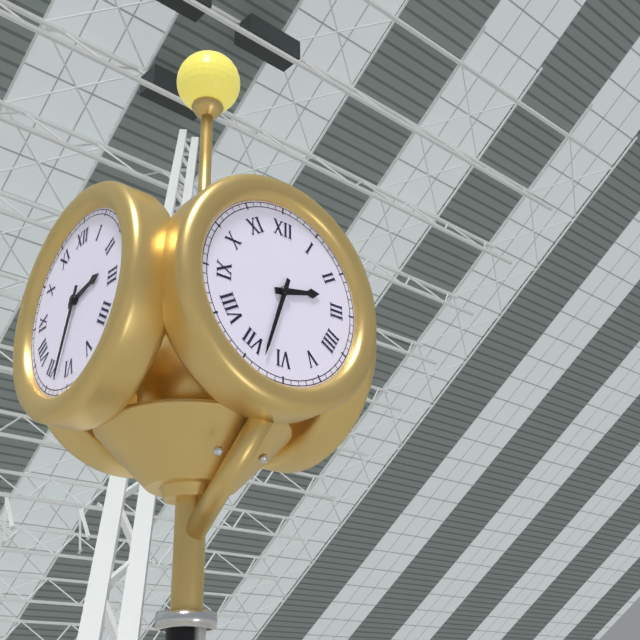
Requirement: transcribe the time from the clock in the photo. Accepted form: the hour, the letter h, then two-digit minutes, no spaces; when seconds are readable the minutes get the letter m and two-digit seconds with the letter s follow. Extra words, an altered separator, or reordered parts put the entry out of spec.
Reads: 2h33
